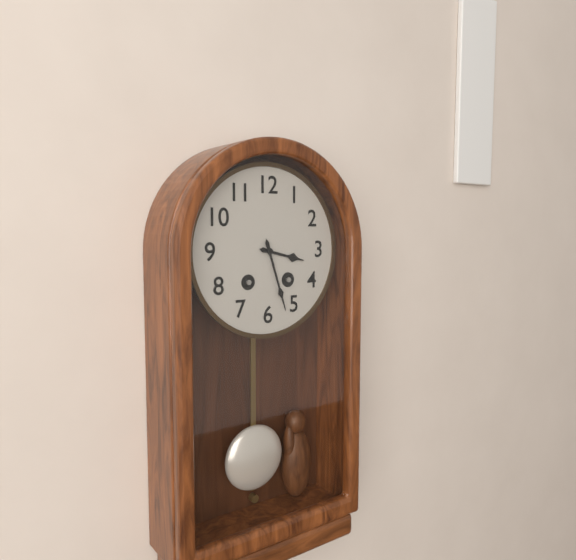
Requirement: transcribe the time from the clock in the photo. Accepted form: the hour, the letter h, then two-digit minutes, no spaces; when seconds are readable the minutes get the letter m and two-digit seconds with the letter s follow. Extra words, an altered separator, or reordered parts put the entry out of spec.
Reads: 3h27
